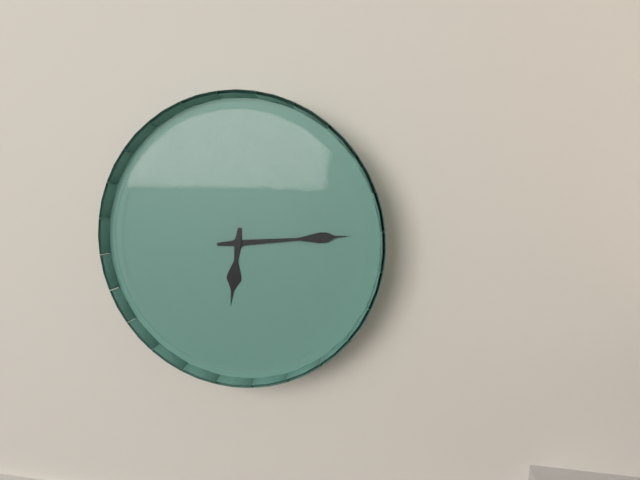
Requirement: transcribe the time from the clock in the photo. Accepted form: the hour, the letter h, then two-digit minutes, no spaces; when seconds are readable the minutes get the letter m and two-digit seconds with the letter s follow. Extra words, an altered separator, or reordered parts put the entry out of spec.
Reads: 6h14
